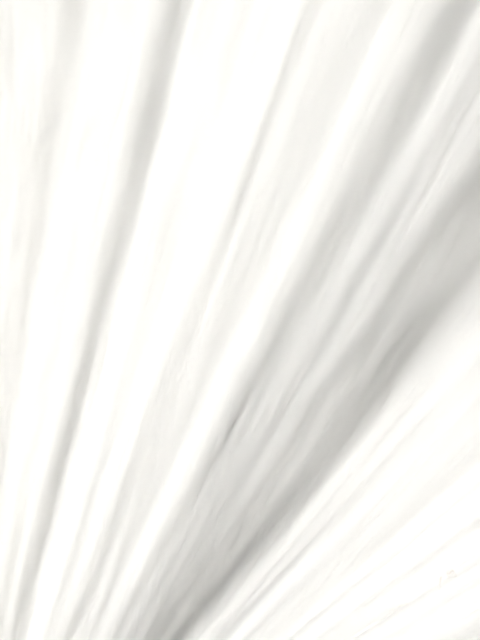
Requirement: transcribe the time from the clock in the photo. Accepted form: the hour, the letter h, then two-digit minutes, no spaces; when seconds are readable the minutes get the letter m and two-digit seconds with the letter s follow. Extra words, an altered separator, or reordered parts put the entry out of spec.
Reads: 10h22
